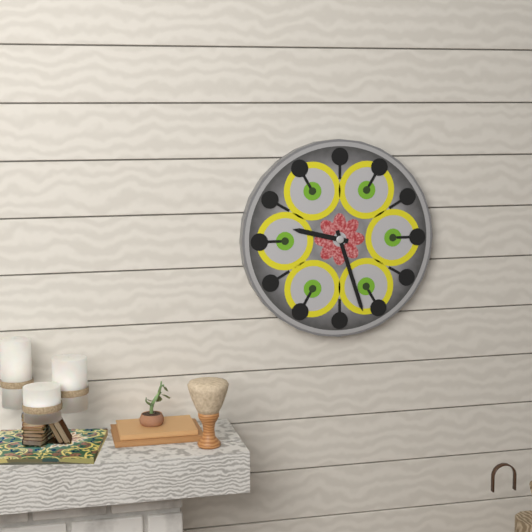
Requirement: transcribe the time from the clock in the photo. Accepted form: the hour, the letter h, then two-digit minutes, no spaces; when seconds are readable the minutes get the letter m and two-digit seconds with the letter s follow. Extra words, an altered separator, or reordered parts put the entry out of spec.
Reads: 9h27
